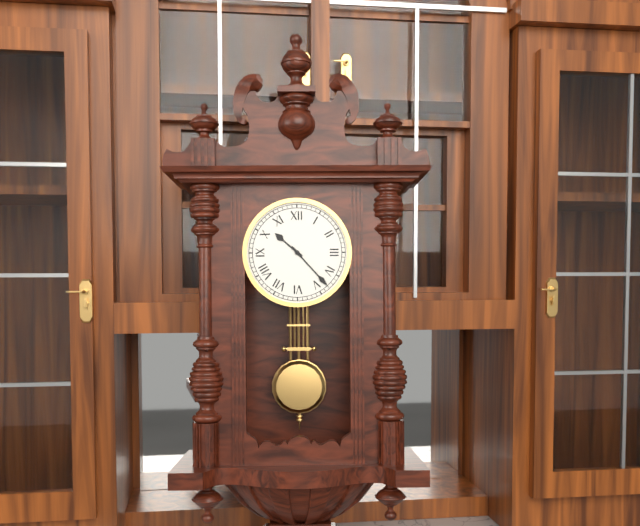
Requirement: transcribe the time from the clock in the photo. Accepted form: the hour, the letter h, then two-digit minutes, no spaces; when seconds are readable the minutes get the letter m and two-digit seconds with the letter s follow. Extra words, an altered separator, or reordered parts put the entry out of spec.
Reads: 10h23
